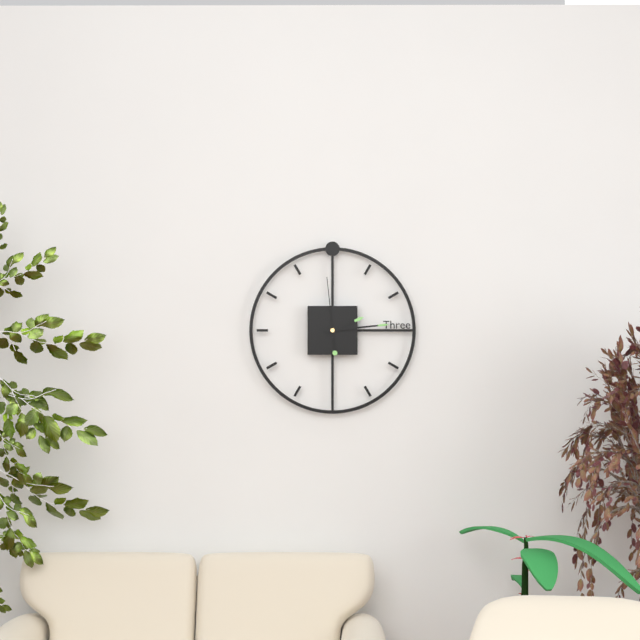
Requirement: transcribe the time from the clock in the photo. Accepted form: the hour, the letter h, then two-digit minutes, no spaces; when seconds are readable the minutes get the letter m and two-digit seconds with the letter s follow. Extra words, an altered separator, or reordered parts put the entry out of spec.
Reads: 2h14m59s
